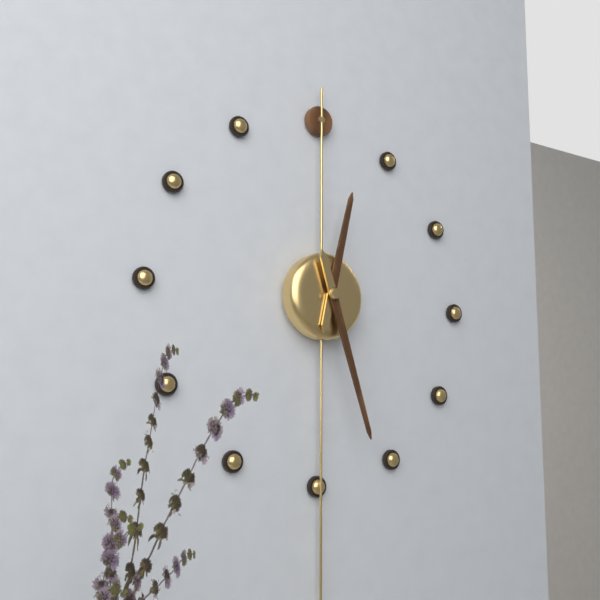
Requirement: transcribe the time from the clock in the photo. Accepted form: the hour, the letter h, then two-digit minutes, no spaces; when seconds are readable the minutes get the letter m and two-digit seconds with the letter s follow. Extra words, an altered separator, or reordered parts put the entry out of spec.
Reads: 12h27
